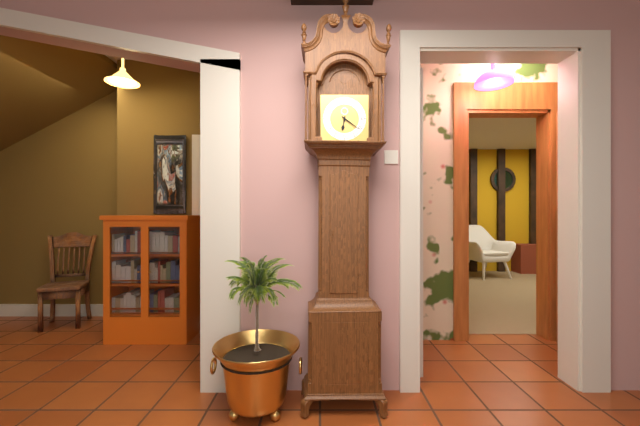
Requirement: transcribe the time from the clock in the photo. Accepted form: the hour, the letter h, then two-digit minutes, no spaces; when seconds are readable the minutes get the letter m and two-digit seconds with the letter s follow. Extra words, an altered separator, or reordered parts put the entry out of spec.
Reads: 6h21
